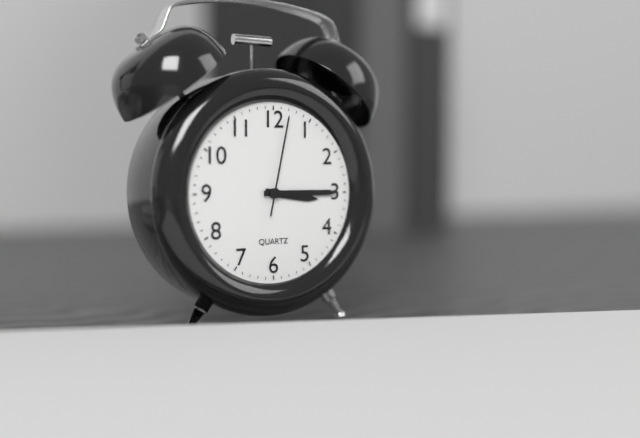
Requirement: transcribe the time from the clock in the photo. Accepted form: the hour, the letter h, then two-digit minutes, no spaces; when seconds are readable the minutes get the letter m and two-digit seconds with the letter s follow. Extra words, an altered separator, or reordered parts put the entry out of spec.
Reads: 3h15m02s
